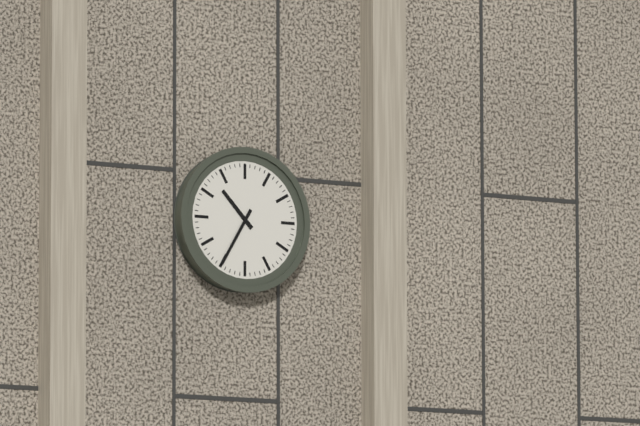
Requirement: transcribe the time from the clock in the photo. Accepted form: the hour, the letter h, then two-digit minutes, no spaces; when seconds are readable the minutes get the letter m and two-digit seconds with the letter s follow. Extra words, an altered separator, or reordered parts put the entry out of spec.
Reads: 10h35
